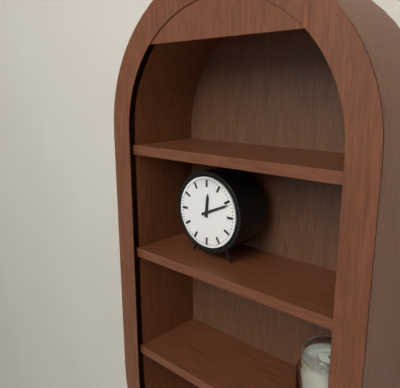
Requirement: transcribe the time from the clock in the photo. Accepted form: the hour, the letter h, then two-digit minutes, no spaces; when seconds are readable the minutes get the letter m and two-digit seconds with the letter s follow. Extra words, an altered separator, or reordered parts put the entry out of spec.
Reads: 12h11
